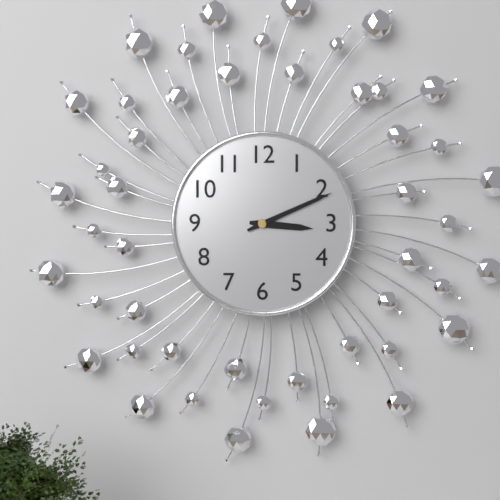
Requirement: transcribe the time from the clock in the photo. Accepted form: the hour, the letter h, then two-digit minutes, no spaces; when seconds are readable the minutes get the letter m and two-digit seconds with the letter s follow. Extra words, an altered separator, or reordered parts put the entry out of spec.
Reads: 3h11
